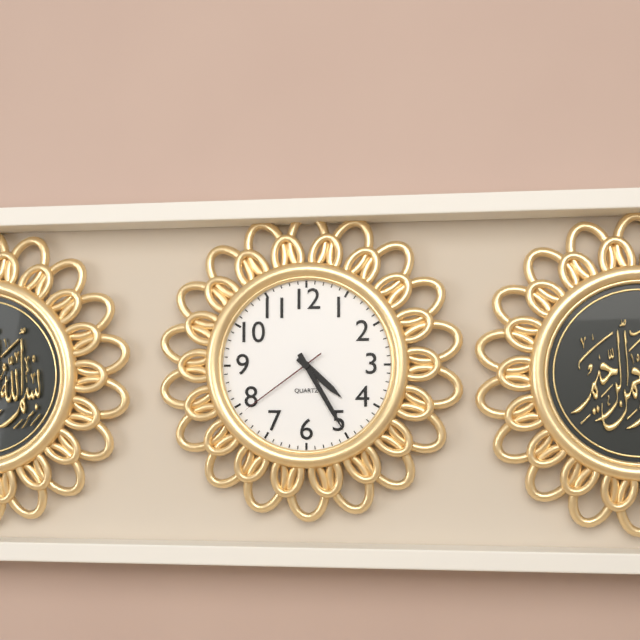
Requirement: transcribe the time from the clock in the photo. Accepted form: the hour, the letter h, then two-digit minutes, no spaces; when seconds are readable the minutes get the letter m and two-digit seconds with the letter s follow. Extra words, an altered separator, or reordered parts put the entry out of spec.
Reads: 4h25m39s
